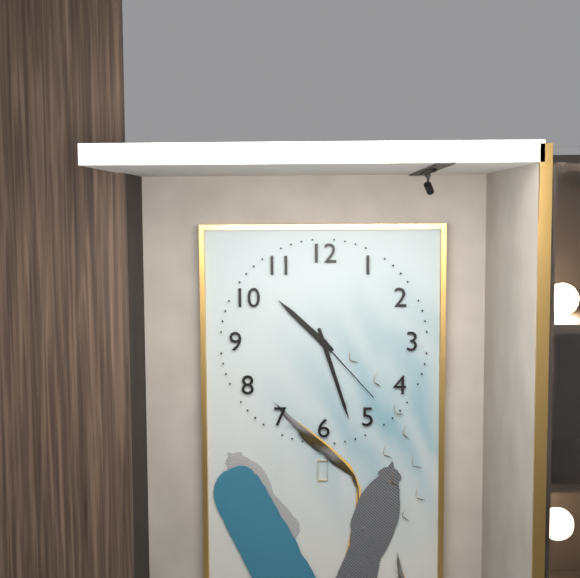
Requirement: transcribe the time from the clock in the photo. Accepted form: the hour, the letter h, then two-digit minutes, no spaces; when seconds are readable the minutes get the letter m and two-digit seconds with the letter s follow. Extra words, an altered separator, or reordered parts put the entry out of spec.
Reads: 10h27m23s
